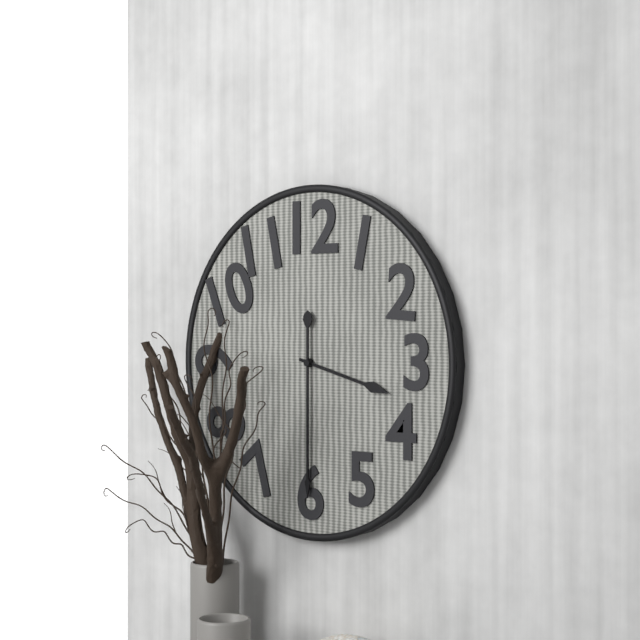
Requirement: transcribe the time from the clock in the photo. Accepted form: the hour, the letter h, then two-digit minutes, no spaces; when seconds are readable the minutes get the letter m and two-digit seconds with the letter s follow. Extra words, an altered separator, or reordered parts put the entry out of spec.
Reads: 3h30
